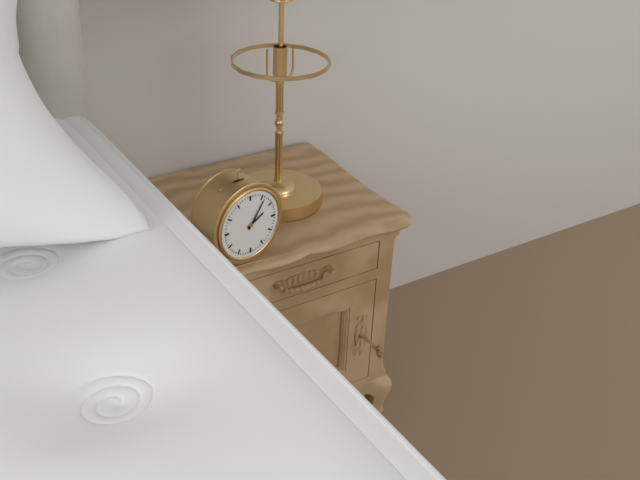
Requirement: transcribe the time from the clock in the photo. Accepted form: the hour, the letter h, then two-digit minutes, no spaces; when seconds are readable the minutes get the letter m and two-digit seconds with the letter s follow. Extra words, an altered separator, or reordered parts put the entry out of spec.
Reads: 2h06
